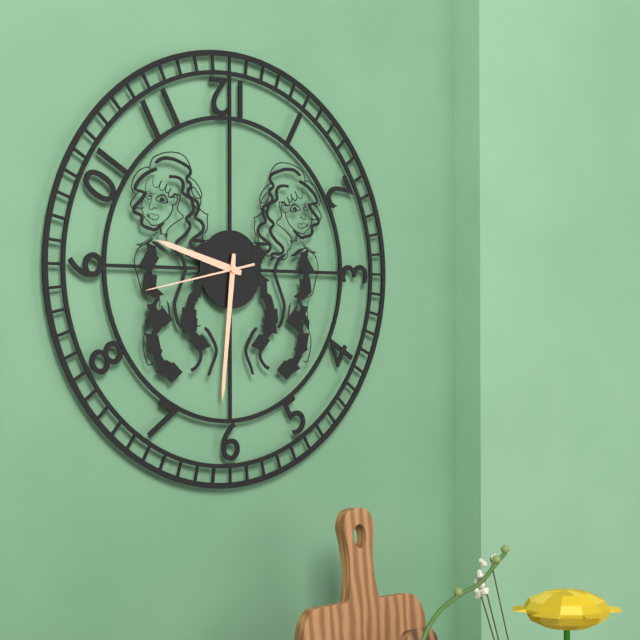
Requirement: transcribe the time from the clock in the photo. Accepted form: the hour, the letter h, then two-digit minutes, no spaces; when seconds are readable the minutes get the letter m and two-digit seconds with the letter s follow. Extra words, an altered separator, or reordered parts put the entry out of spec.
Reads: 9h31m43s
